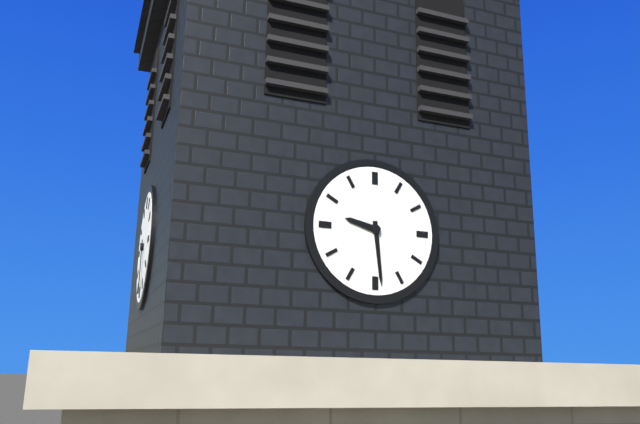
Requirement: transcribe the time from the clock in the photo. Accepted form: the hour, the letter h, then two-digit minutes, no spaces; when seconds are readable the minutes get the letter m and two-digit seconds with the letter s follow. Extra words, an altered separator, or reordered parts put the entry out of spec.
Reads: 9h29
